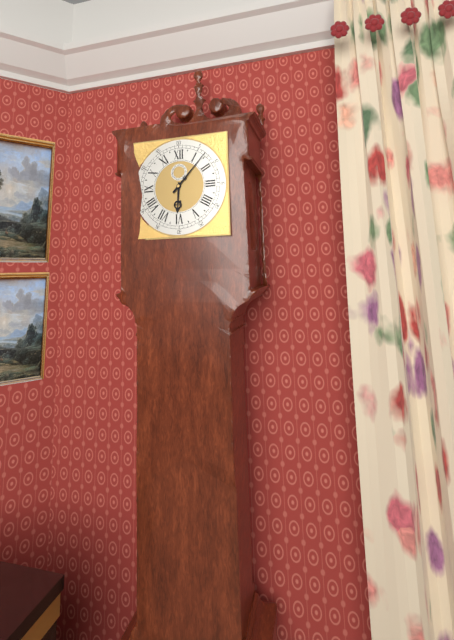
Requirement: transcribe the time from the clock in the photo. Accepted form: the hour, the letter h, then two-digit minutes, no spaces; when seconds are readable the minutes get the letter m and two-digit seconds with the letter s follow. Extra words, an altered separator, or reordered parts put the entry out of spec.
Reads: 6h07
